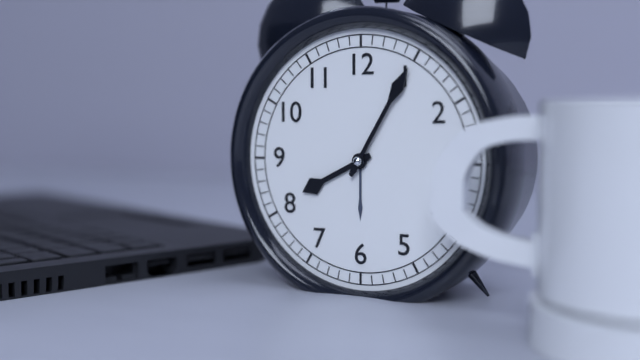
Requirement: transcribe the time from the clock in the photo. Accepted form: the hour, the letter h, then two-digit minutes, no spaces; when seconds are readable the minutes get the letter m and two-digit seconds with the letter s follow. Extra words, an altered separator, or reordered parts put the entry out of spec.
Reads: 8h05
